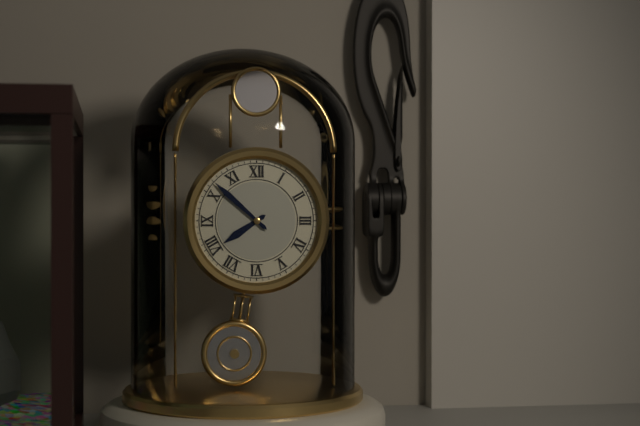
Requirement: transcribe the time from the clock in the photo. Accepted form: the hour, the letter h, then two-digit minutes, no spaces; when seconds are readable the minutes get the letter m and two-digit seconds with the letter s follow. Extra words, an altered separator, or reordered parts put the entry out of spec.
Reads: 7h52
